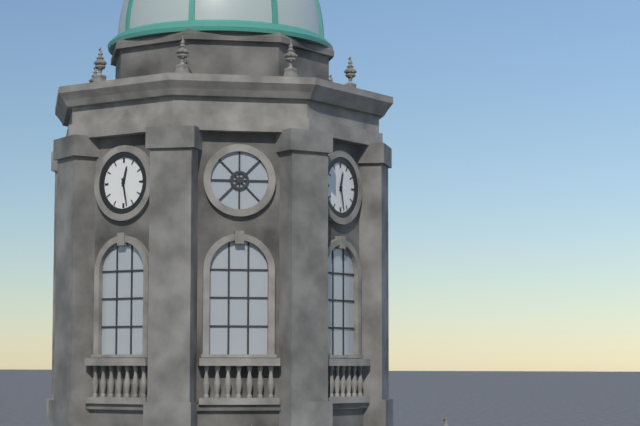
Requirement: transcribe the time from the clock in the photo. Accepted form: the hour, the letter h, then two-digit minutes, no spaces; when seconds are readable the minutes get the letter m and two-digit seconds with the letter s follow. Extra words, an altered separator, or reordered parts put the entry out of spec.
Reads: 12h28
